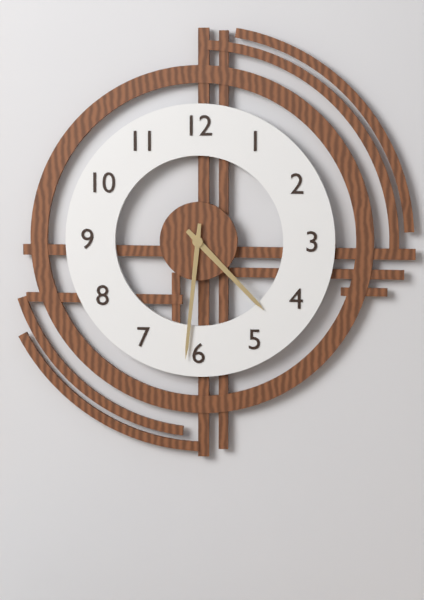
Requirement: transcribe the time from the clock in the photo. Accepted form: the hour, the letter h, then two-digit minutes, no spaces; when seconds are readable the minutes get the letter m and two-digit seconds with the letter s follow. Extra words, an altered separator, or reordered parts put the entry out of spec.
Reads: 4h31
